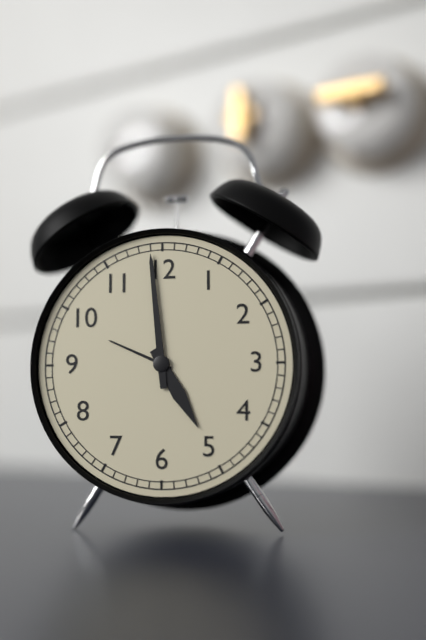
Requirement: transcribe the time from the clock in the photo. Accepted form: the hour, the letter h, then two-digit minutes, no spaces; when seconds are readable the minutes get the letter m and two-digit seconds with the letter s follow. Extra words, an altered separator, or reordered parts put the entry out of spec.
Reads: 4h59
